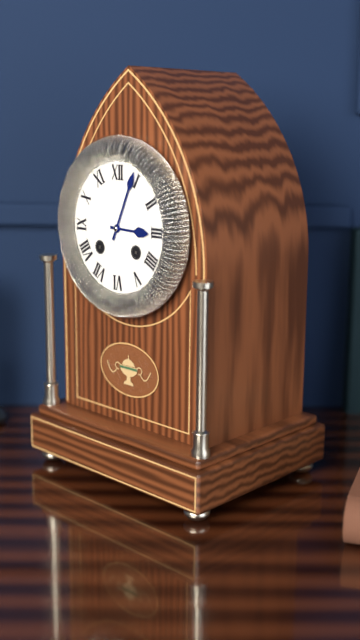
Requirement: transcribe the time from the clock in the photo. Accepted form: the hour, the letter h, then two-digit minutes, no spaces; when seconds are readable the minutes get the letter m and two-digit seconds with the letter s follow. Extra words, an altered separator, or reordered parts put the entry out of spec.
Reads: 3h04
